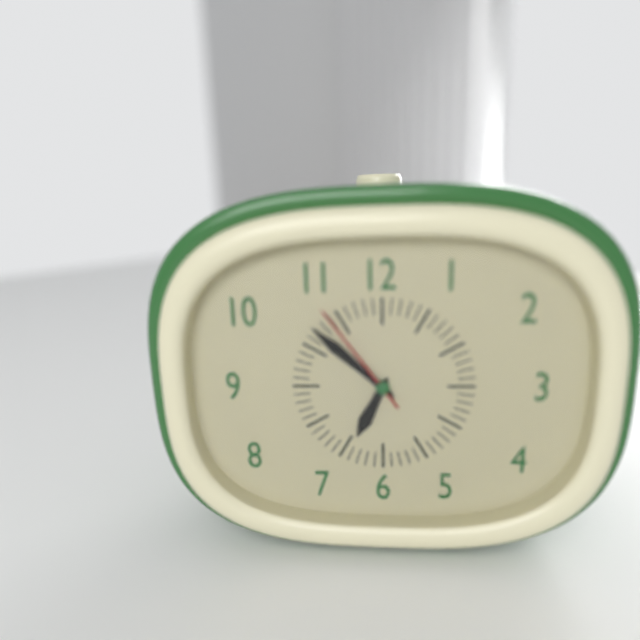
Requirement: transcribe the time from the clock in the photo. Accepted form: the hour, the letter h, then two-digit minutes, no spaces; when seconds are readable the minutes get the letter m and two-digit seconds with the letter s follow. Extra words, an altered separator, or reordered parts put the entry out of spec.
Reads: 6h52m54s
